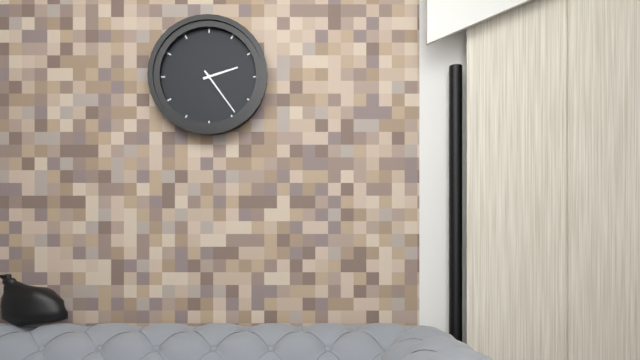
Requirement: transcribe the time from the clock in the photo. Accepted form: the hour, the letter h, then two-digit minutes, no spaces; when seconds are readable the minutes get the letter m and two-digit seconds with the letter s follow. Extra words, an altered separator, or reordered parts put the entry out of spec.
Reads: 2h24
